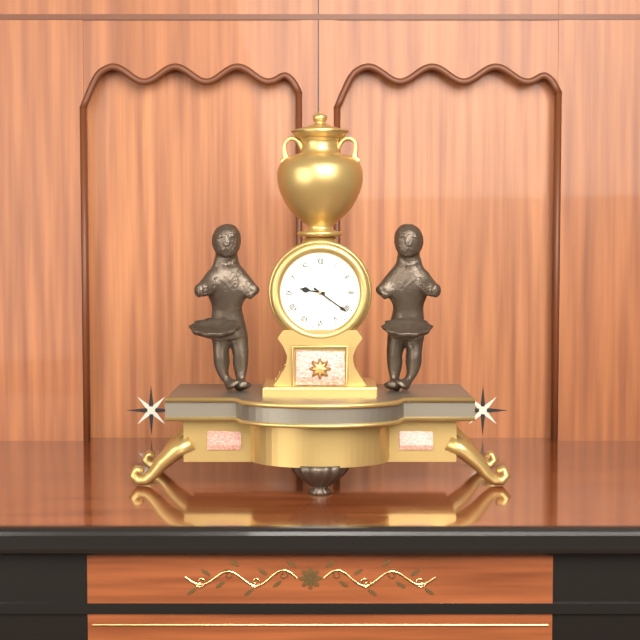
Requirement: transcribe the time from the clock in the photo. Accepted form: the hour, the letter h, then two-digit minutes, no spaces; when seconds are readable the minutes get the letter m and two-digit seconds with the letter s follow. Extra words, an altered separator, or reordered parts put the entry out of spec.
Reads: 9h21
